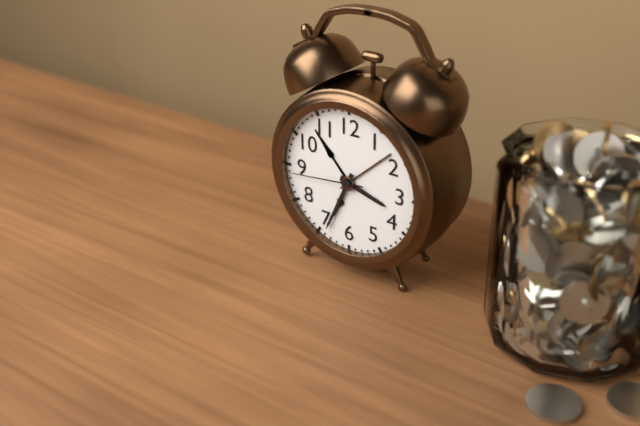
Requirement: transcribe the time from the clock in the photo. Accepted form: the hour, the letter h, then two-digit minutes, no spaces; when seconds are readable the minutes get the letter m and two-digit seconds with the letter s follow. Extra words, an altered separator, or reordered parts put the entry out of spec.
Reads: 3h34m44s
